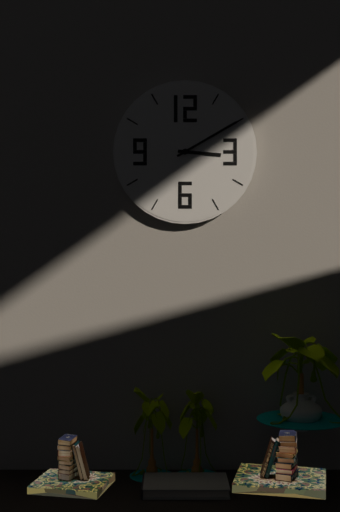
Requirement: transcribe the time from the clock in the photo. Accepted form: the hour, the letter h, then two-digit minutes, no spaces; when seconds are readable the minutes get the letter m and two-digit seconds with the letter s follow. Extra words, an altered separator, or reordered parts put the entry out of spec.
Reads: 3h10
